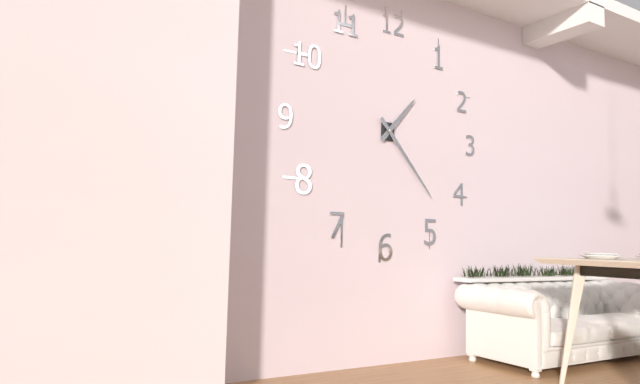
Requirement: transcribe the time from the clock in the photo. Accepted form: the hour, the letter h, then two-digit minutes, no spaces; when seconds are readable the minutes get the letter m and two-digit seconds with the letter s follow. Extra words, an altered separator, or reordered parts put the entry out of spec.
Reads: 1h23
